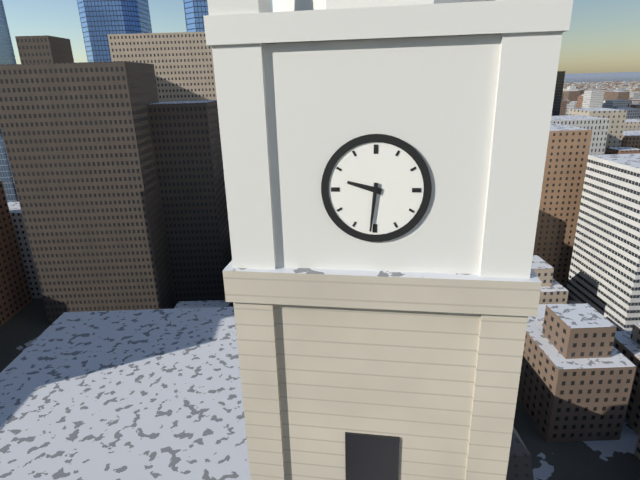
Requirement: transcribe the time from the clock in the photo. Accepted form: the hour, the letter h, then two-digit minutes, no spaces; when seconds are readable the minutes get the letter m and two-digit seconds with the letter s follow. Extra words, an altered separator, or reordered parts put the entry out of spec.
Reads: 9h31
